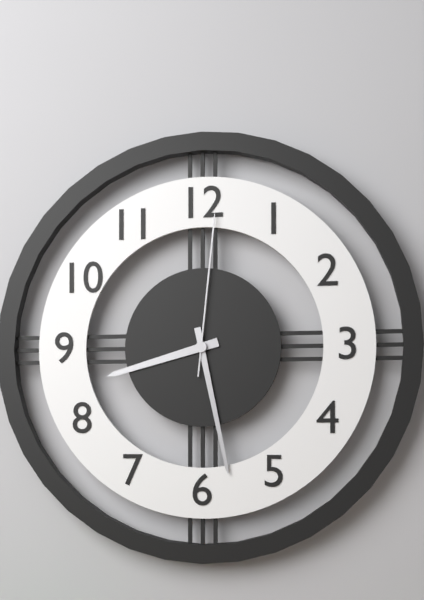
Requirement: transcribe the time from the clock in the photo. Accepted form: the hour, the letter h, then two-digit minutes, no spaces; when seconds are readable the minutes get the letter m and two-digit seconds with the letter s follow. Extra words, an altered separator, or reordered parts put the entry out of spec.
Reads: 8h28m01s
